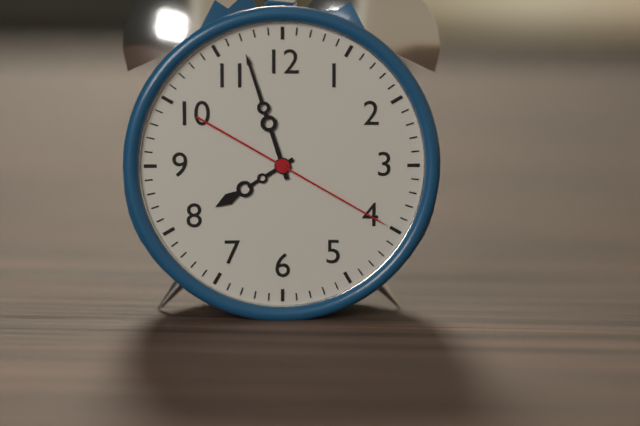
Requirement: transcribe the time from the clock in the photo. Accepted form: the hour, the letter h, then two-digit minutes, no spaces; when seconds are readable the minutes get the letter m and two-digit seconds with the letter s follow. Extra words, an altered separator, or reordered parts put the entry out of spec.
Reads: 7h57m20s
